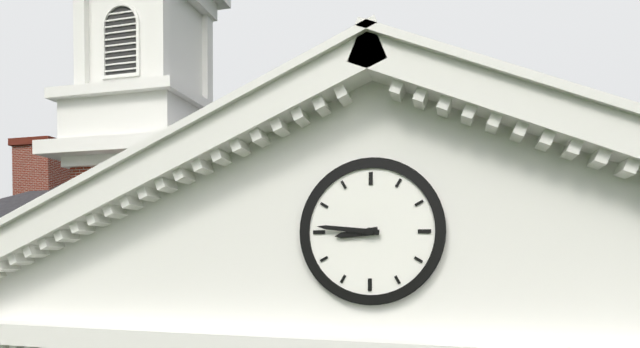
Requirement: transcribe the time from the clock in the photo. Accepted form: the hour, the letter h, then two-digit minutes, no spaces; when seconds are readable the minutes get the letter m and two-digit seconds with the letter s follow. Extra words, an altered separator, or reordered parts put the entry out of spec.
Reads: 8h46
